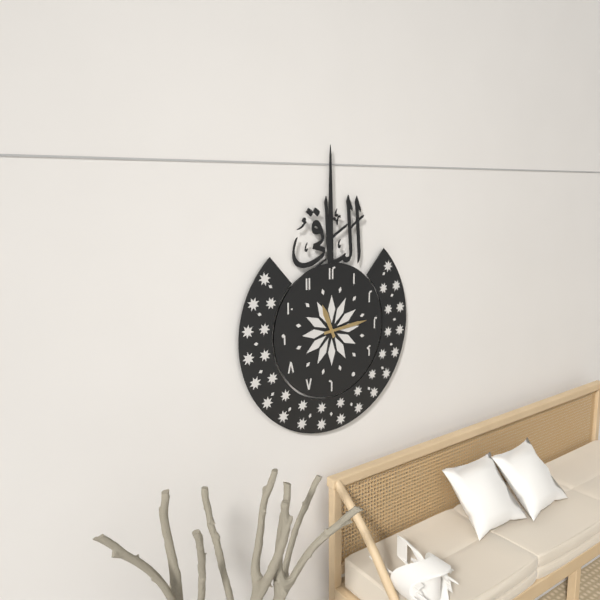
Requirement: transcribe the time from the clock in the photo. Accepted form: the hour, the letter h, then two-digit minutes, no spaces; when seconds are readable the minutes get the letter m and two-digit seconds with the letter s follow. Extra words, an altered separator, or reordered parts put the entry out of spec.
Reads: 11h14
